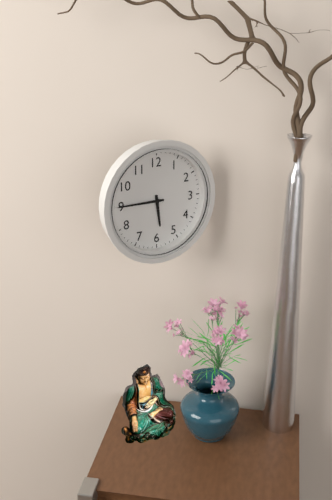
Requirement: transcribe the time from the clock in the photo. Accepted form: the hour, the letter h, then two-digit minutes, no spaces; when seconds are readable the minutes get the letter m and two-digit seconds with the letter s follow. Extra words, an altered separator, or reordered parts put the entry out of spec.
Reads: 5h45
